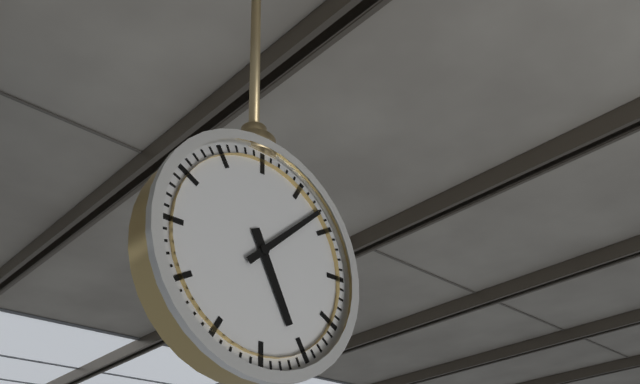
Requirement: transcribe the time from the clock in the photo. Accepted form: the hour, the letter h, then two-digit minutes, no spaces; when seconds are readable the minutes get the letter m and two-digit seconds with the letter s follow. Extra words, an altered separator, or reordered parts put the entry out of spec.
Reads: 5h08
